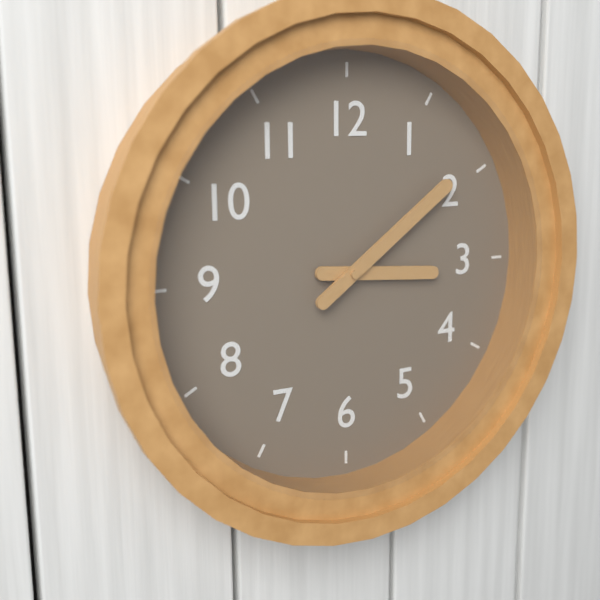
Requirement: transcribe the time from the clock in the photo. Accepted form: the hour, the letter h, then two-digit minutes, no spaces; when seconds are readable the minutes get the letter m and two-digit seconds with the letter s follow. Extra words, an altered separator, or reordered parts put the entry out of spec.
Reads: 3h09
